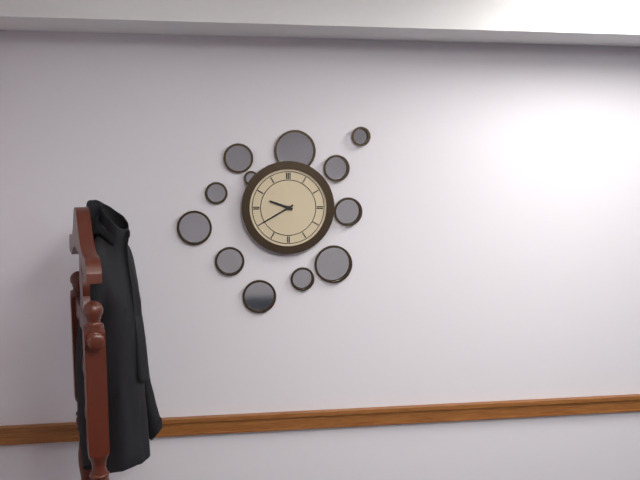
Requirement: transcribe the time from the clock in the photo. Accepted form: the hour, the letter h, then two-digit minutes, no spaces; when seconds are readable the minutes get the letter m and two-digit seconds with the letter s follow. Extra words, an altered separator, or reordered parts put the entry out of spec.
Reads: 9h40
